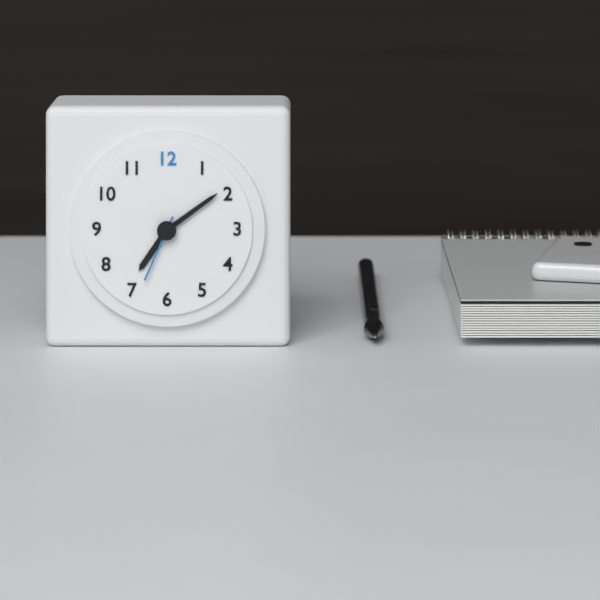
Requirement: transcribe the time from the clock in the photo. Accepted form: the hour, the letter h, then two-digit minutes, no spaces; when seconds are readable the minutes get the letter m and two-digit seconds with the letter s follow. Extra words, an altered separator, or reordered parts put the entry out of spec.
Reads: 7h09m34s
